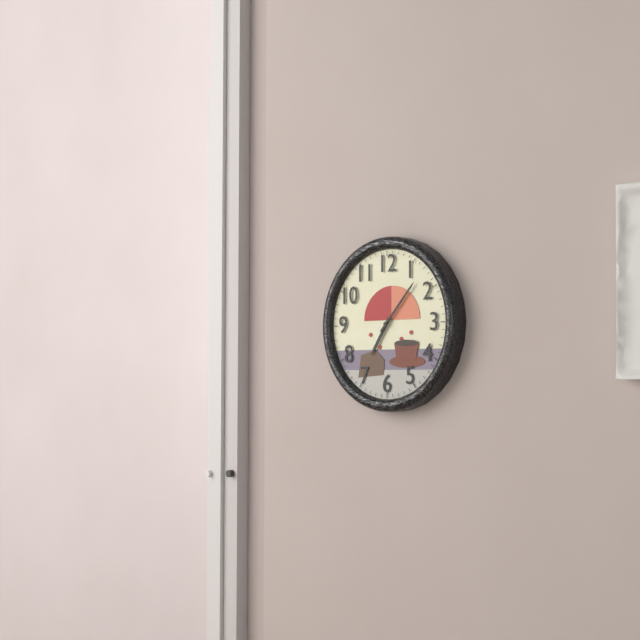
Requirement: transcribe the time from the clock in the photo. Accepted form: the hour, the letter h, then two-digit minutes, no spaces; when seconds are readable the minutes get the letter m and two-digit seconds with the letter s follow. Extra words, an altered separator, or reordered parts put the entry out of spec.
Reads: 7h07
